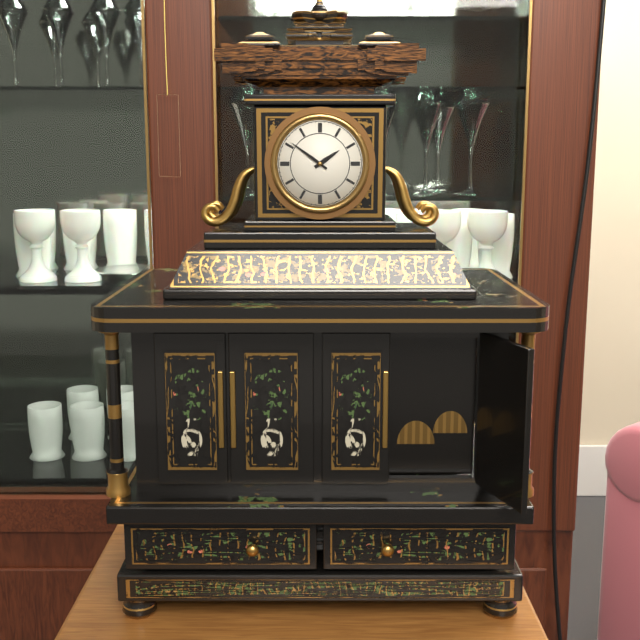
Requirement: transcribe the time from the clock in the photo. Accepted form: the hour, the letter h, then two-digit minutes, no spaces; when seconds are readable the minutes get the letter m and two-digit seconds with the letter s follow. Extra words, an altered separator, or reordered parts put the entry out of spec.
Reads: 1h51
